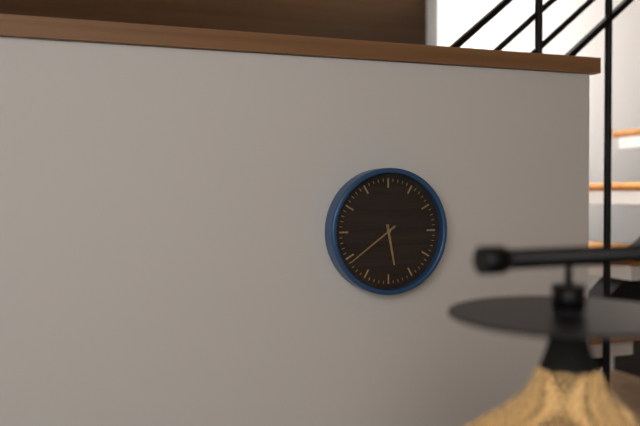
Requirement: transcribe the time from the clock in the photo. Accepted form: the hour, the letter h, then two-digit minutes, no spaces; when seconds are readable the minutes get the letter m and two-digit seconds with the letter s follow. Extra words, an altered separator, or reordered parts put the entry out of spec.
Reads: 5h39
